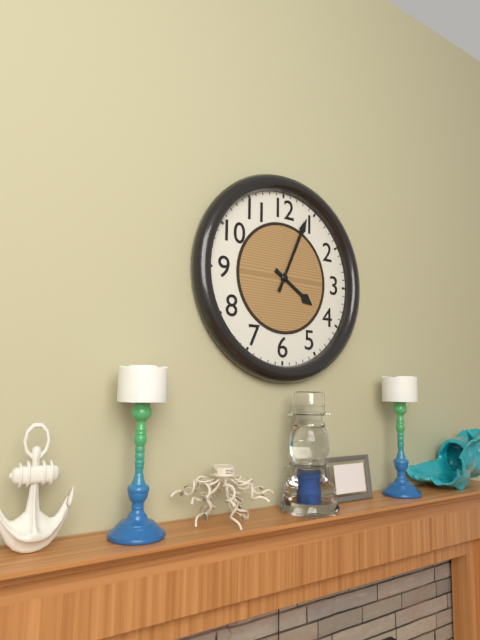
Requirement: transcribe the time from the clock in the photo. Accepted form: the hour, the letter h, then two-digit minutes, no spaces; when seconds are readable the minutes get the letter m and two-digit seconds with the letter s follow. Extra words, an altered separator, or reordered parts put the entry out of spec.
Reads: 4h04
